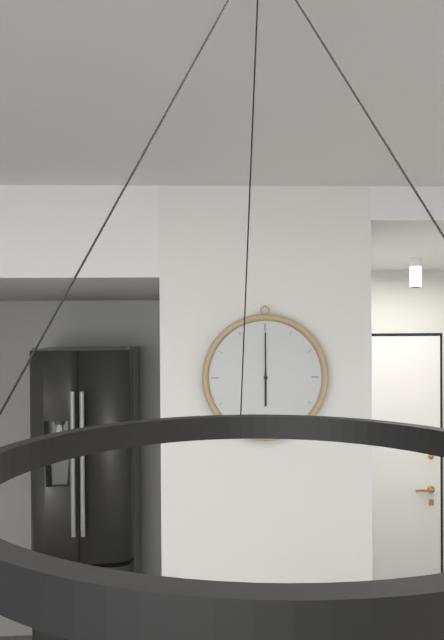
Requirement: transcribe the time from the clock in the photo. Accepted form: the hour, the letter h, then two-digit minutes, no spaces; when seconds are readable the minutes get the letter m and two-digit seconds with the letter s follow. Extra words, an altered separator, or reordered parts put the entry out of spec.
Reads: 6h00
